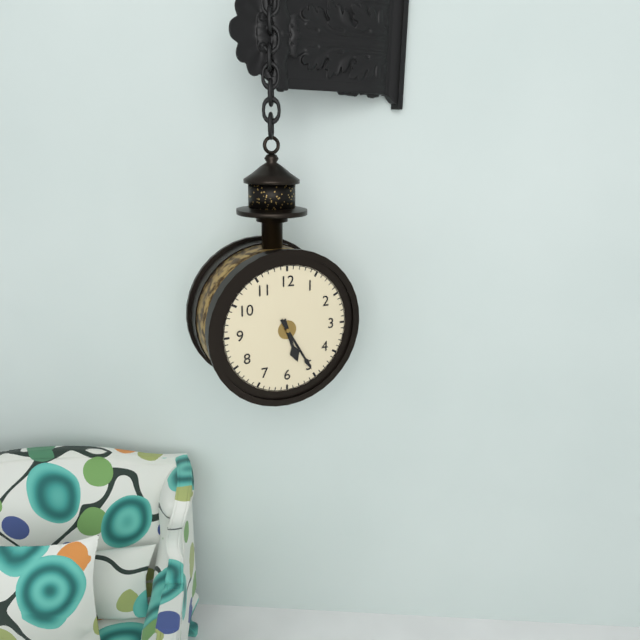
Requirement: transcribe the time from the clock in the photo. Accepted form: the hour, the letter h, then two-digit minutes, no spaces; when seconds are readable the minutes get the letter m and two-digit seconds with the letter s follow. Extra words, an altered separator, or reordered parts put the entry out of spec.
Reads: 5h25
